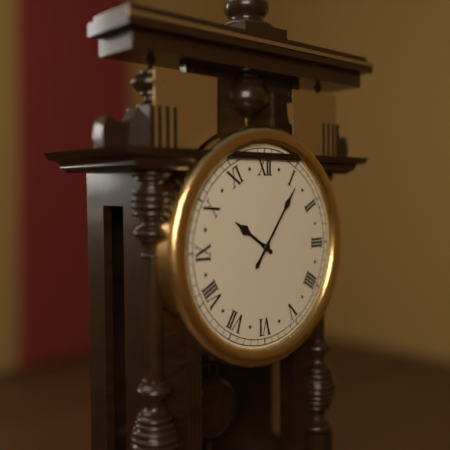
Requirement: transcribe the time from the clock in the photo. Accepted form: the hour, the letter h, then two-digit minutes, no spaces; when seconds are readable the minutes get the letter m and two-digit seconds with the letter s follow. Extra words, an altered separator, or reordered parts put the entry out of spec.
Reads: 10h06
